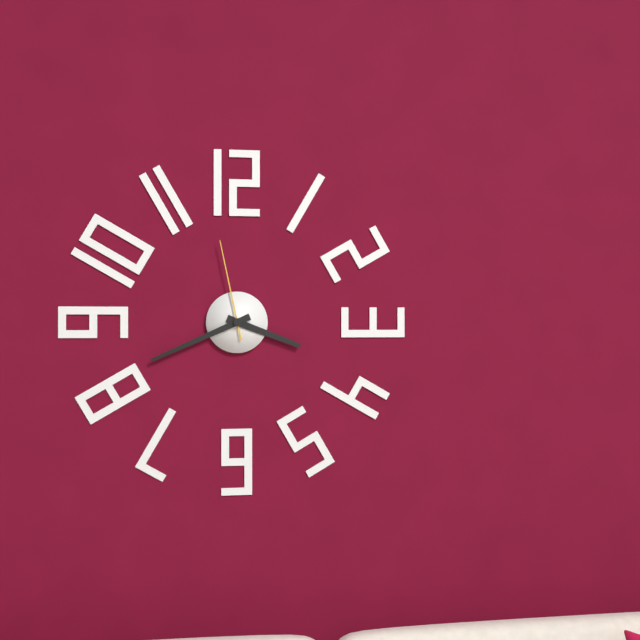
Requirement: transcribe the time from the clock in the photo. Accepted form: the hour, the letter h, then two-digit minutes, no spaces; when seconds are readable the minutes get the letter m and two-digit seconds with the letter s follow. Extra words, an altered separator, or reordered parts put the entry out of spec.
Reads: 3h41m58s
